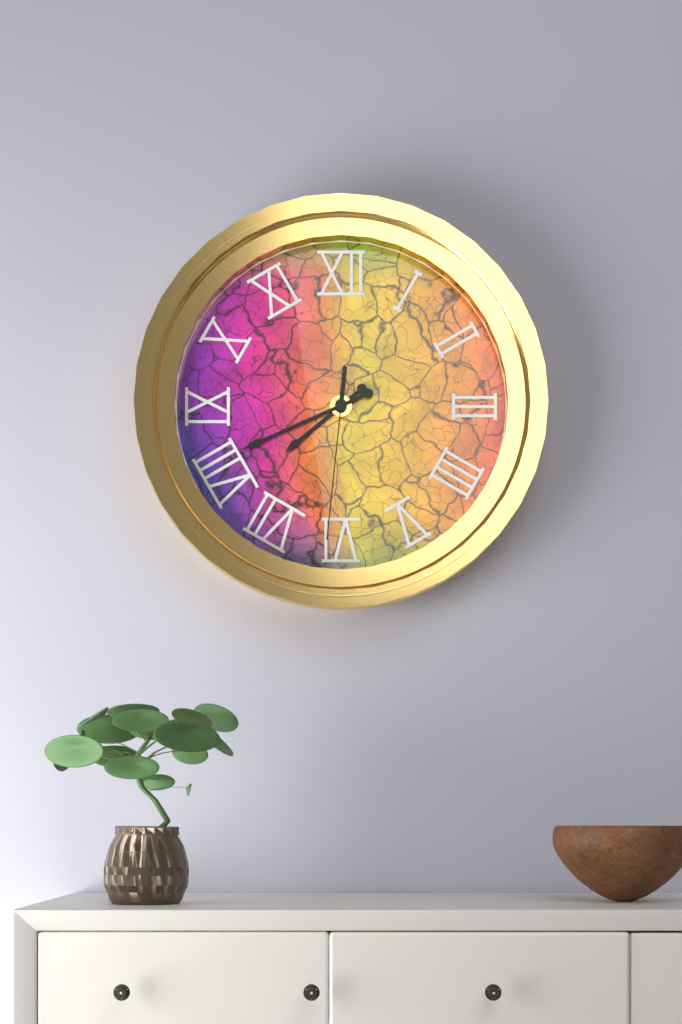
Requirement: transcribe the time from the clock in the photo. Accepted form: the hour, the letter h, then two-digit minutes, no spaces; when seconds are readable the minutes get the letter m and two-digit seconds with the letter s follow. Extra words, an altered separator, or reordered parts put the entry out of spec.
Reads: 7h41m31s
